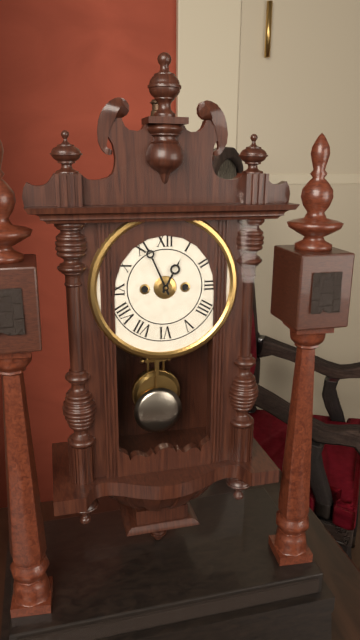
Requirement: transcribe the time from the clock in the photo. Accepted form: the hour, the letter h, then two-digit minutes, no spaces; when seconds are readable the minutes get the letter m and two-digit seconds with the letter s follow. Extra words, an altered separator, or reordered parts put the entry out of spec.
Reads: 12h56
